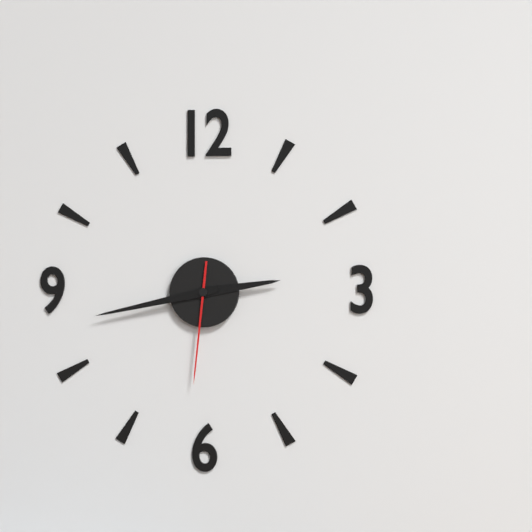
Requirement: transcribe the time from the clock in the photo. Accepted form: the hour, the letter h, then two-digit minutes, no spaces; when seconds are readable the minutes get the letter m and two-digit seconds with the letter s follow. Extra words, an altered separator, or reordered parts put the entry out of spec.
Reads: 2h43m31s
